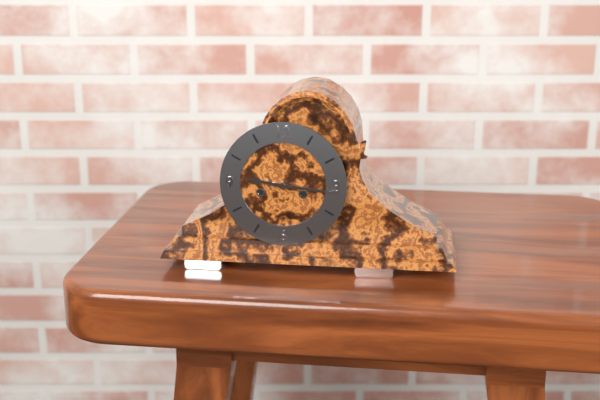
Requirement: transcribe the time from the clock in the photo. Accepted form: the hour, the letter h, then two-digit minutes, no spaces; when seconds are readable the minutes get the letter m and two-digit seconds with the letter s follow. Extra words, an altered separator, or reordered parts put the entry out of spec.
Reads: 9h16
